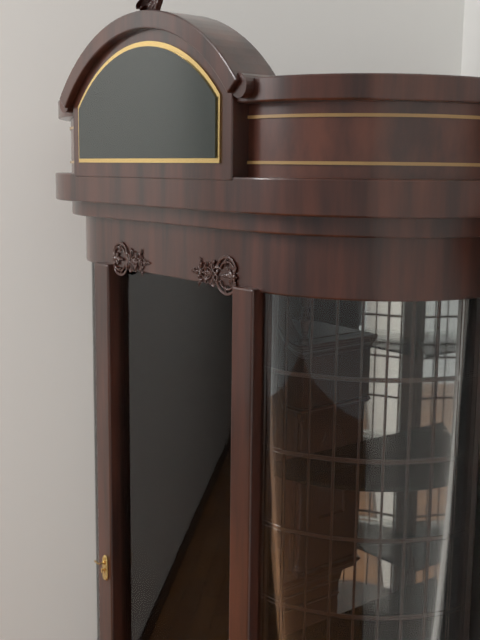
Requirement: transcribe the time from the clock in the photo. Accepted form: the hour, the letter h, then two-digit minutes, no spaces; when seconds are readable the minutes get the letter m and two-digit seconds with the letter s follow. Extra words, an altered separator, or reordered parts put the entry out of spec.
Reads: 6h34
